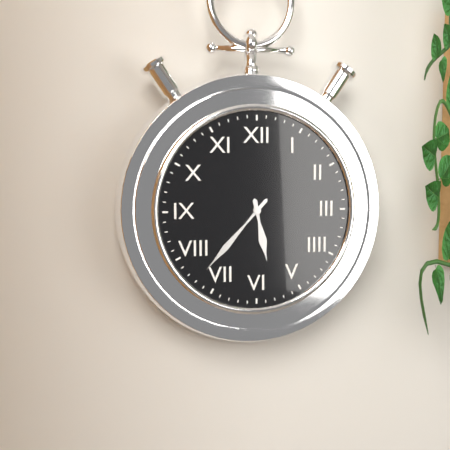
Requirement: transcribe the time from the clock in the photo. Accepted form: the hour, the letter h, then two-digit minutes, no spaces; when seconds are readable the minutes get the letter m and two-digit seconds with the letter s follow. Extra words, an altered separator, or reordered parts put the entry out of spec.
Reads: 5h37
